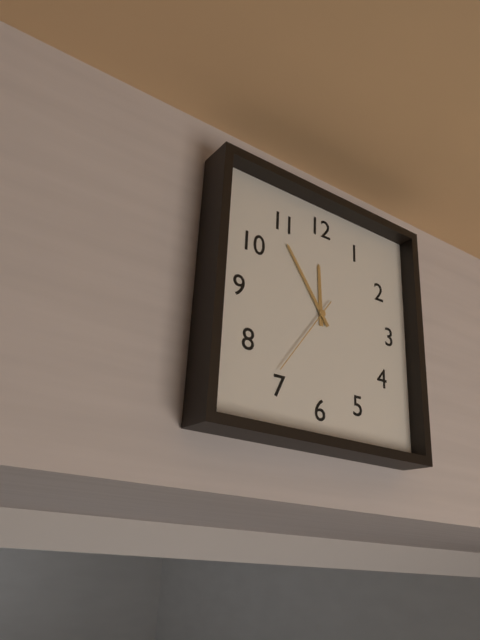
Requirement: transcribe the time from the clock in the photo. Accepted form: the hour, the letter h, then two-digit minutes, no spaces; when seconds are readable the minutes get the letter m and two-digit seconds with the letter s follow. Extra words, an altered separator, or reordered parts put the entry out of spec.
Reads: 11h54m36s
